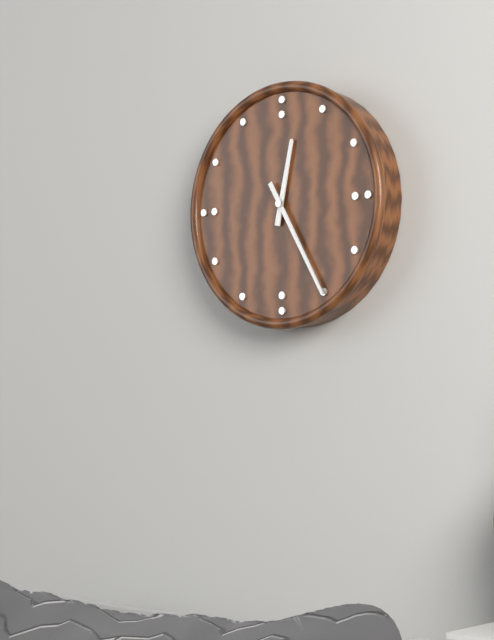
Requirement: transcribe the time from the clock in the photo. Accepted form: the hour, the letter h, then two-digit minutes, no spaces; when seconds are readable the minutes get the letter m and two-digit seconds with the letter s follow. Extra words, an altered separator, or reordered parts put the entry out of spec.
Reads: 12h25
